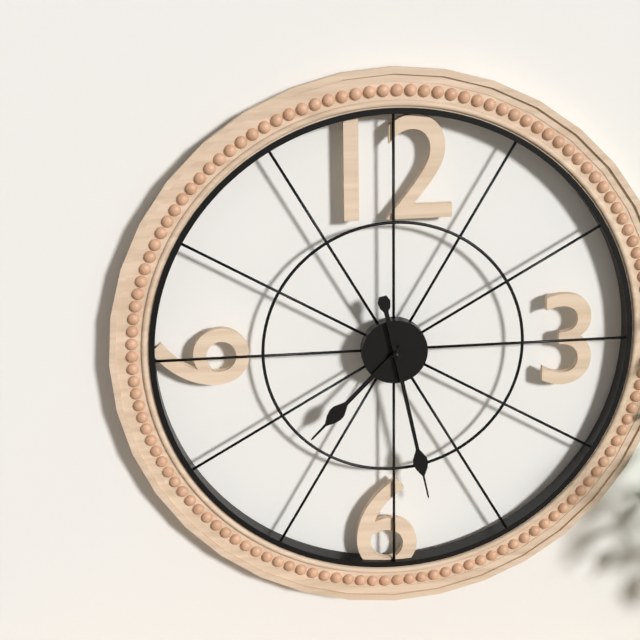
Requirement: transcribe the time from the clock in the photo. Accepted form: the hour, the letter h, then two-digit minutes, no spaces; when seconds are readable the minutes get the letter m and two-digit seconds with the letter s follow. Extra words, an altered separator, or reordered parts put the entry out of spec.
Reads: 7h28
